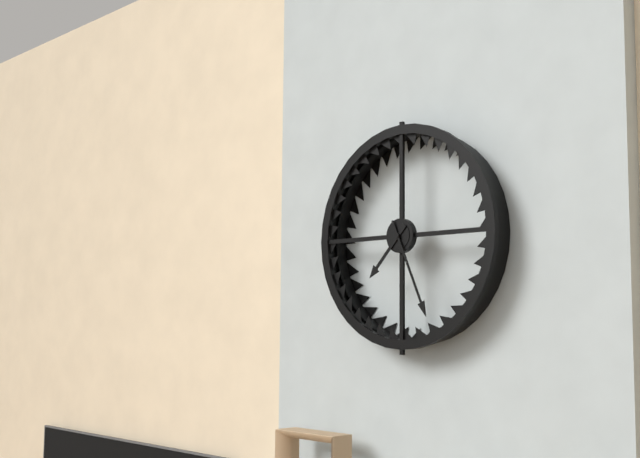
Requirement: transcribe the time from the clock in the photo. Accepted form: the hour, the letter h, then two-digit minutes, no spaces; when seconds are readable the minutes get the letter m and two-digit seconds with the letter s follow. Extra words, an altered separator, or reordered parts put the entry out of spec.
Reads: 7h26
